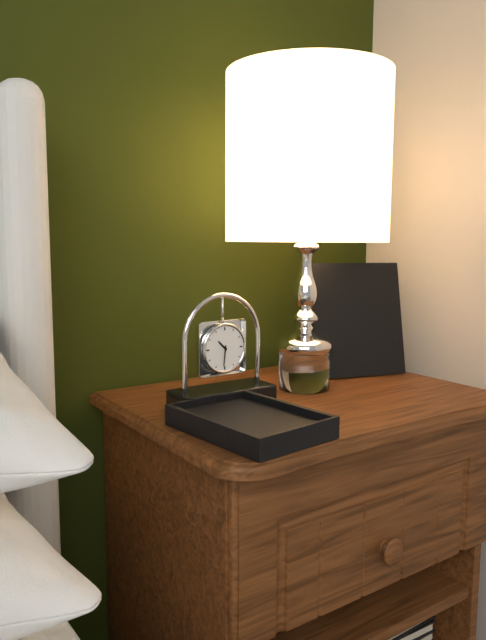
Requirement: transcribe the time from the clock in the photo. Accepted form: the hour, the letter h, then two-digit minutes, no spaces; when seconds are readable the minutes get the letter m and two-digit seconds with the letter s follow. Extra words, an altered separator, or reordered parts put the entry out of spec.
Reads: 10h31
